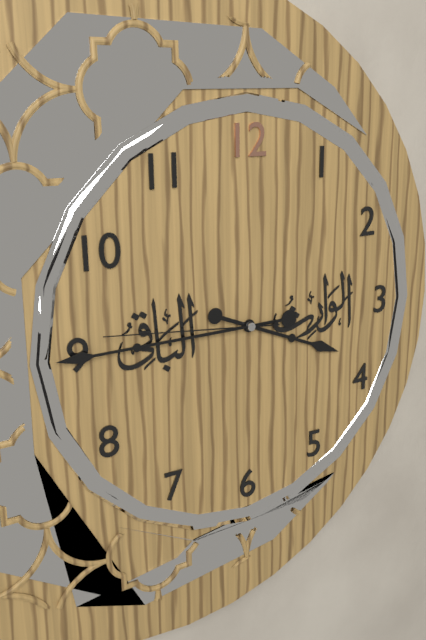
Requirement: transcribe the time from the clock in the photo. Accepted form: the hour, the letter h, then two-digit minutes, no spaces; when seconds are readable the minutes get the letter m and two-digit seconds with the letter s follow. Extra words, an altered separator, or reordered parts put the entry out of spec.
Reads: 3h45m46s
